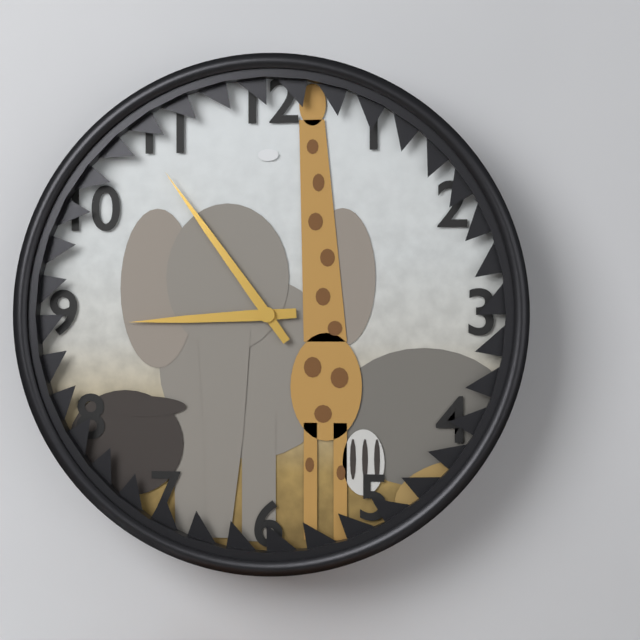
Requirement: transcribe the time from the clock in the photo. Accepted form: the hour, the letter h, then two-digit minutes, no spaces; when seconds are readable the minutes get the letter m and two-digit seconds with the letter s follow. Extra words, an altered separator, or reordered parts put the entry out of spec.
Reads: 8h54
